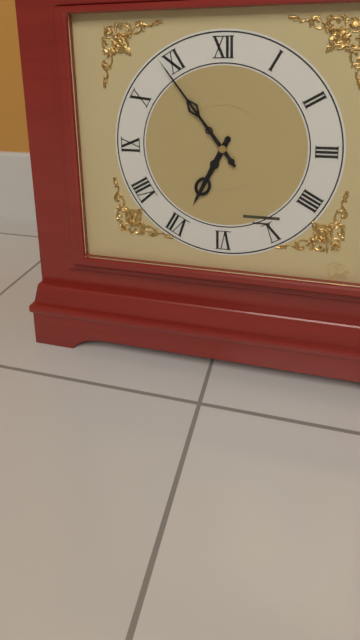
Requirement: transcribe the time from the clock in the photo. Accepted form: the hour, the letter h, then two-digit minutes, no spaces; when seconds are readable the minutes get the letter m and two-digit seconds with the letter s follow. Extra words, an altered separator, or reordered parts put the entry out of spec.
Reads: 6h54
